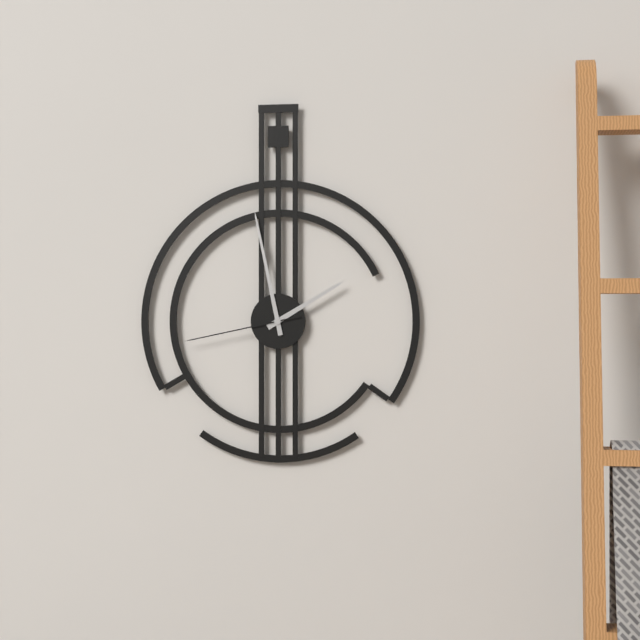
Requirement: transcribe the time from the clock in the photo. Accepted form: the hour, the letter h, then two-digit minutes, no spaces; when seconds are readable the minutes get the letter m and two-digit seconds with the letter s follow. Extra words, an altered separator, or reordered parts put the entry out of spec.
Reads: 1h58m43s
